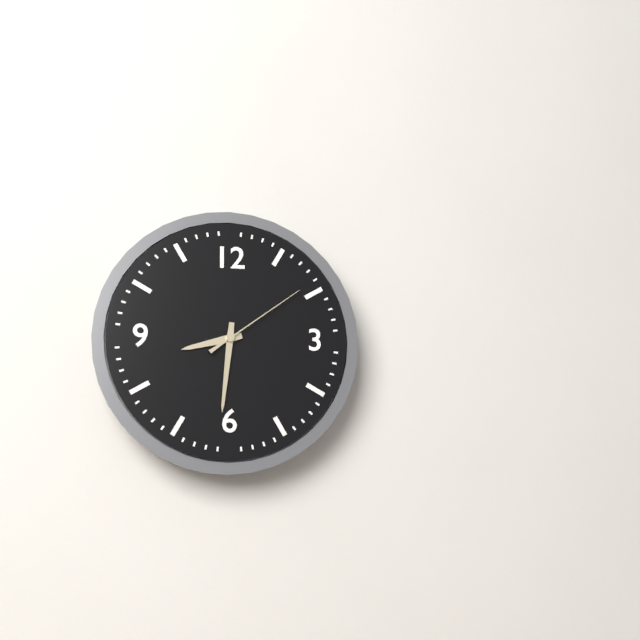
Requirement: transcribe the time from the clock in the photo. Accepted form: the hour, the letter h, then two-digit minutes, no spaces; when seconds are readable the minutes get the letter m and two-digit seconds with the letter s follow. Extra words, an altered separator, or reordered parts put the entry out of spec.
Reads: 8h31m09s
